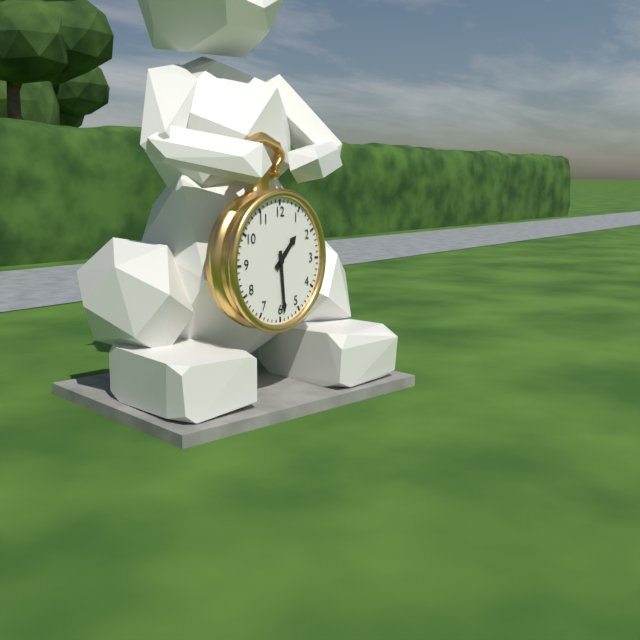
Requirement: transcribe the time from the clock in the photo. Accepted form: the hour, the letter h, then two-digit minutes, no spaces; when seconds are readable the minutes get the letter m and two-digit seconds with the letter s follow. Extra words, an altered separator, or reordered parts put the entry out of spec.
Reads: 1h29
